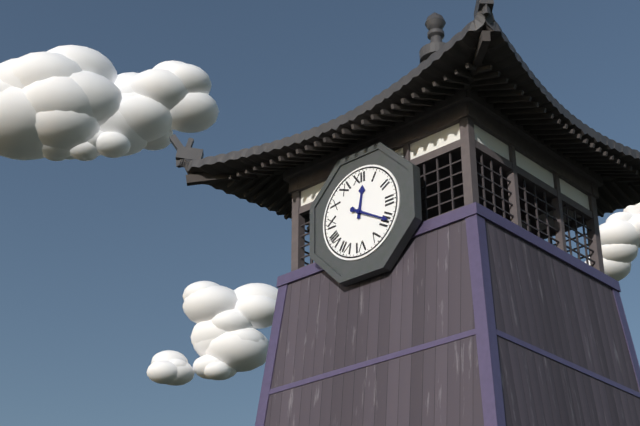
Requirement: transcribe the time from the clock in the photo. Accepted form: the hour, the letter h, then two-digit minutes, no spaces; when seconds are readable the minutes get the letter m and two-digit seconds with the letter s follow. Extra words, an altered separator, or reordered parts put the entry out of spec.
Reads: 12h20
